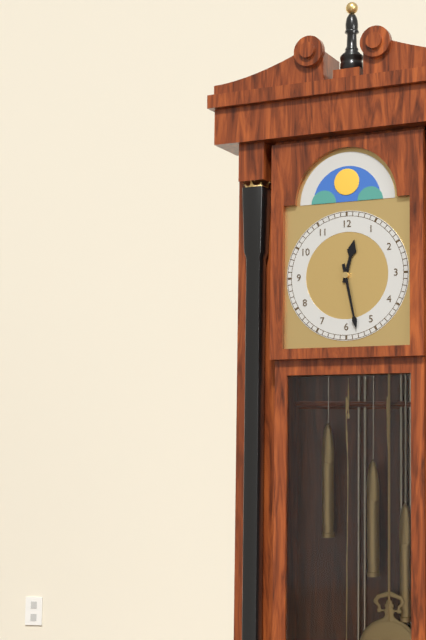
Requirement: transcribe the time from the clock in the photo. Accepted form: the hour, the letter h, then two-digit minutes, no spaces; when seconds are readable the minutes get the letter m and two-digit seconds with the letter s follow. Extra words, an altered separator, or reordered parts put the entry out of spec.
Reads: 12h28
